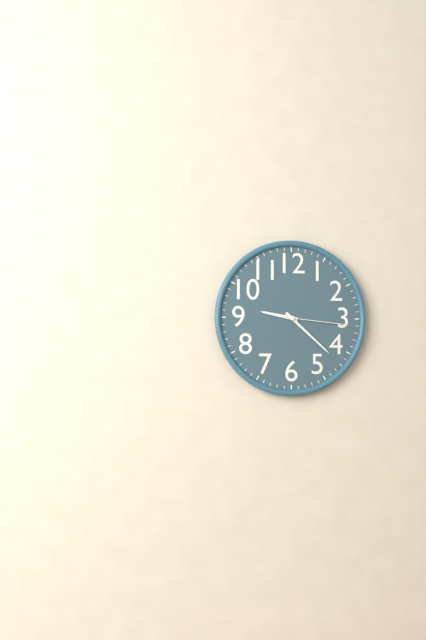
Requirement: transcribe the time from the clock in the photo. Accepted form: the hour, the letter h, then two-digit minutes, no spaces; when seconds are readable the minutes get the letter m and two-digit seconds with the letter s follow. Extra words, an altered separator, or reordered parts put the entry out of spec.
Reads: 9h22m16s
